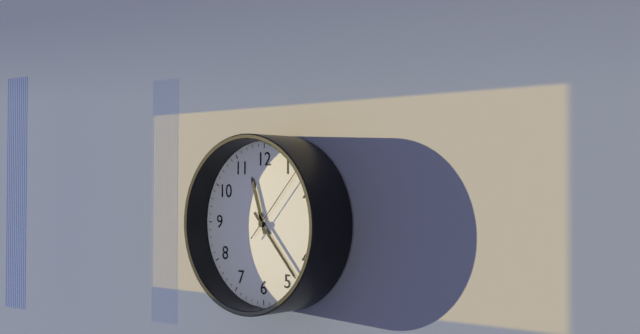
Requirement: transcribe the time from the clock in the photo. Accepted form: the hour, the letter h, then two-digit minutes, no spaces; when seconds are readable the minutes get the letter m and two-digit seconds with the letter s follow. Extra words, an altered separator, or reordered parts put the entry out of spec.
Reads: 11h23m07s
